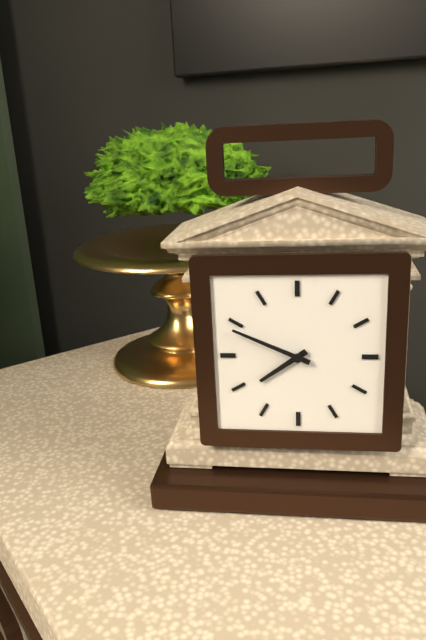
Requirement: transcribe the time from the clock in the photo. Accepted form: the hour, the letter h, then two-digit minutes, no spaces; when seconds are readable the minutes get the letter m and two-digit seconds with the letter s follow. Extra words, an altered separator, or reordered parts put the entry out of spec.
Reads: 7h49
